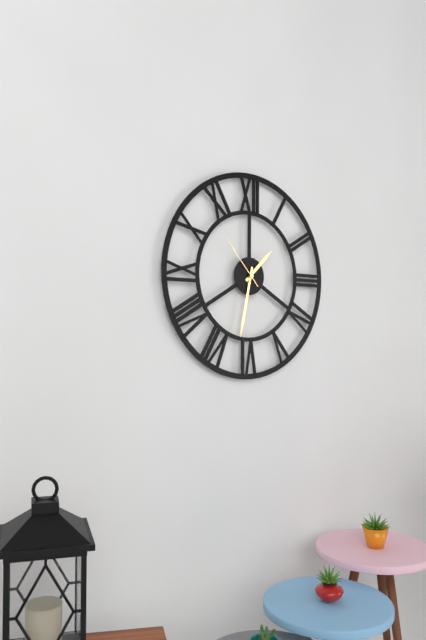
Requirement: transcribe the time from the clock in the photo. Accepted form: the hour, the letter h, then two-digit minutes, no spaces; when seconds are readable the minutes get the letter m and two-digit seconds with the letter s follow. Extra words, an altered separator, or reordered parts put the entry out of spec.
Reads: 1h32m53s
